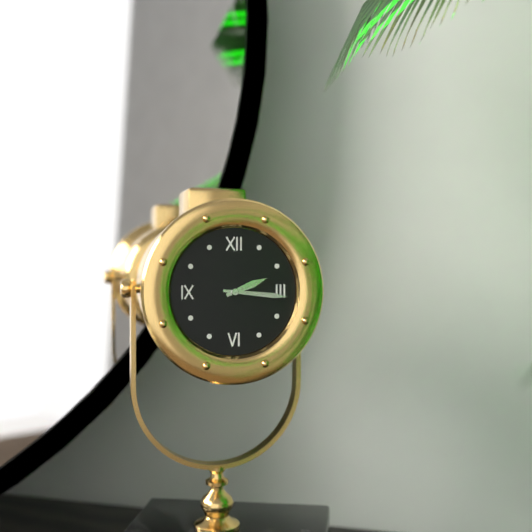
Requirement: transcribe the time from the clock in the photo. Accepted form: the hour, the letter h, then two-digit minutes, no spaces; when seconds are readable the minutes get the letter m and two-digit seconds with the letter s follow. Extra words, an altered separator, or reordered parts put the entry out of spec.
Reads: 2h16
